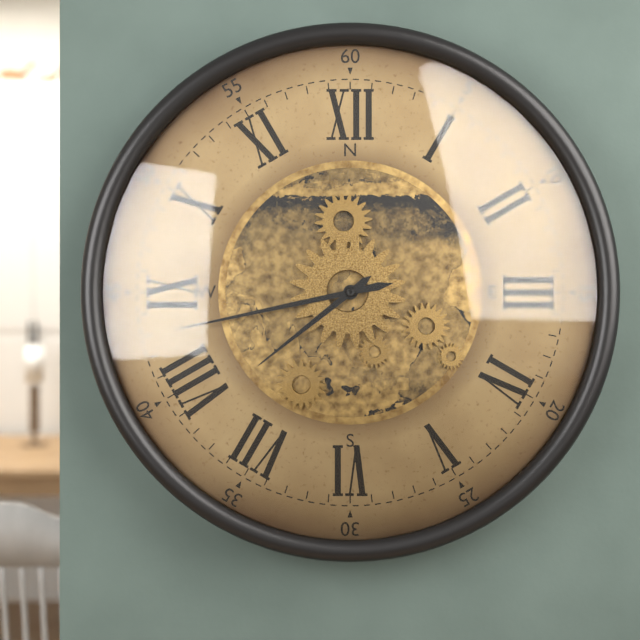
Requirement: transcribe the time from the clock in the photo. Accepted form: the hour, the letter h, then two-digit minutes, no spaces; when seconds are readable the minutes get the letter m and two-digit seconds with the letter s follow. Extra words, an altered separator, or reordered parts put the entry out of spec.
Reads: 7h43
